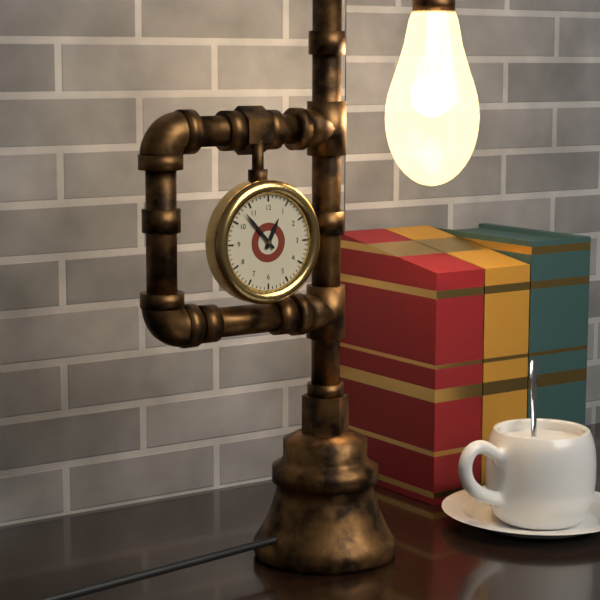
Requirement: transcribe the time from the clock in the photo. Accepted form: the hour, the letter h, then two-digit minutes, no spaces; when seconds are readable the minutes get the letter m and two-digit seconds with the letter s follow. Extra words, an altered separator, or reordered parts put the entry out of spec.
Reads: 12h53
